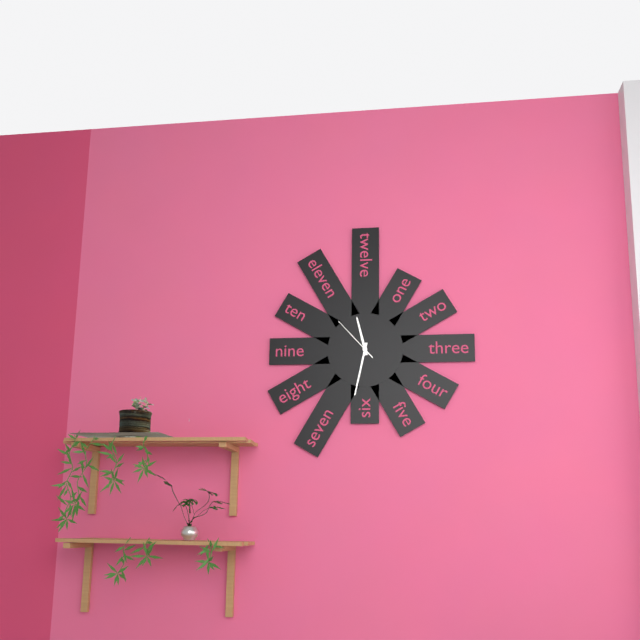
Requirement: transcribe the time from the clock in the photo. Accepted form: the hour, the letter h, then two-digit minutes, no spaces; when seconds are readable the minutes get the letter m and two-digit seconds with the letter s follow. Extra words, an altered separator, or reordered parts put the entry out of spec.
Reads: 11h32
